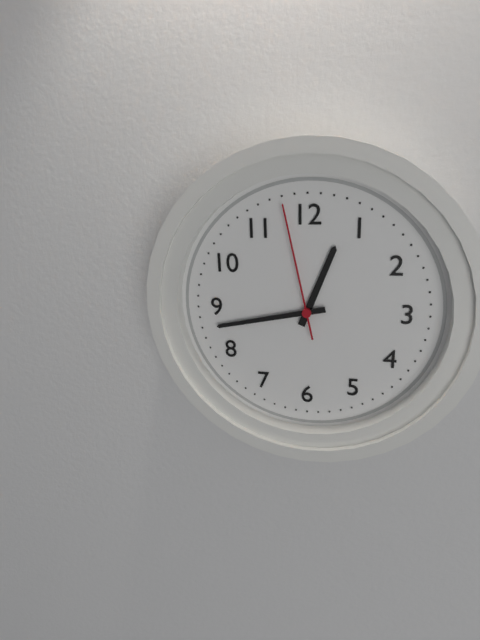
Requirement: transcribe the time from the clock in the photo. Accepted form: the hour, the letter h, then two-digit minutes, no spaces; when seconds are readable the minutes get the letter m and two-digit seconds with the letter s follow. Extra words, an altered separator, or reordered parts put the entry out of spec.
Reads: 12h43m58s
